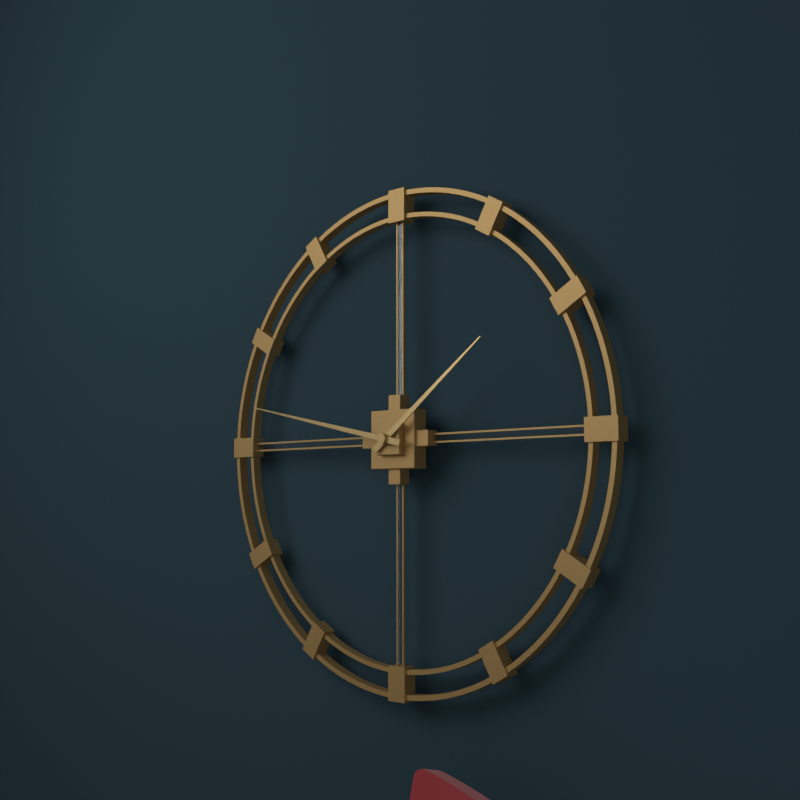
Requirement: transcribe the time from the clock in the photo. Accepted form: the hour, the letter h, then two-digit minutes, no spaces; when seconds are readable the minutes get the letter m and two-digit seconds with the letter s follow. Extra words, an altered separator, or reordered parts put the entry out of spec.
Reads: 1h47
